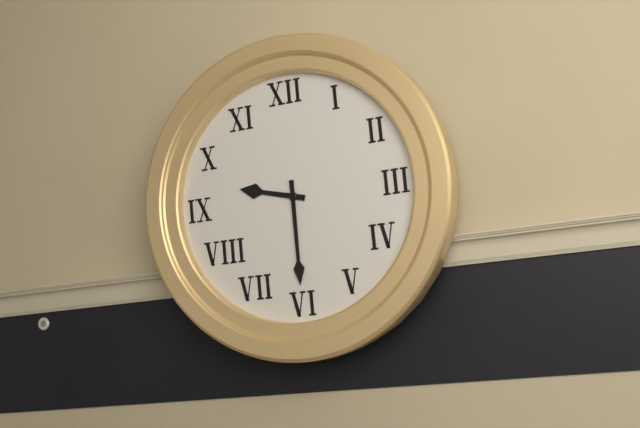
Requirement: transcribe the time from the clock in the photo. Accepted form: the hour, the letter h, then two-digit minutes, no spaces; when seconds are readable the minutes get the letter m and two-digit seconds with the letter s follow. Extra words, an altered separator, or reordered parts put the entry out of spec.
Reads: 9h30
